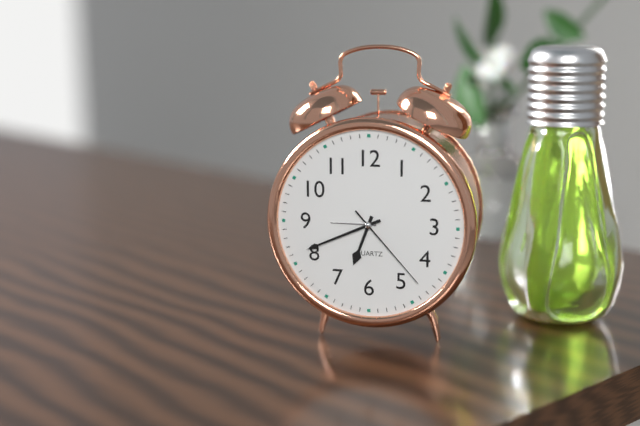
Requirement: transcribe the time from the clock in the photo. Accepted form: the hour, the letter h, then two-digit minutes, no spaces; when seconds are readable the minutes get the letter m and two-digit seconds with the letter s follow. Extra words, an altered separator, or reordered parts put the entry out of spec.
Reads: 6h41m23s
